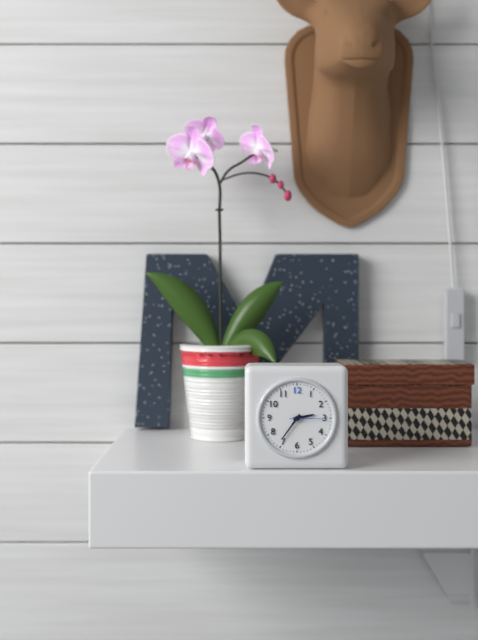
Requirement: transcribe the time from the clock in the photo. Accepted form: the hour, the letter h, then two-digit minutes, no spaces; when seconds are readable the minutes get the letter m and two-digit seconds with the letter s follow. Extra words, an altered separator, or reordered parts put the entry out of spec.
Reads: 2h36
